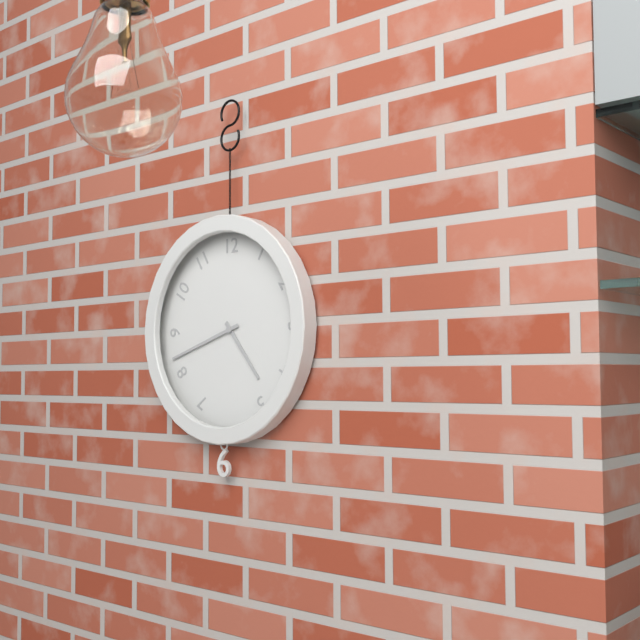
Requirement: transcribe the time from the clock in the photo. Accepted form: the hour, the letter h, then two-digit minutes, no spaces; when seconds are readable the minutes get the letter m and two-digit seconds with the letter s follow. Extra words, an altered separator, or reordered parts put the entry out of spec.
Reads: 4h42
